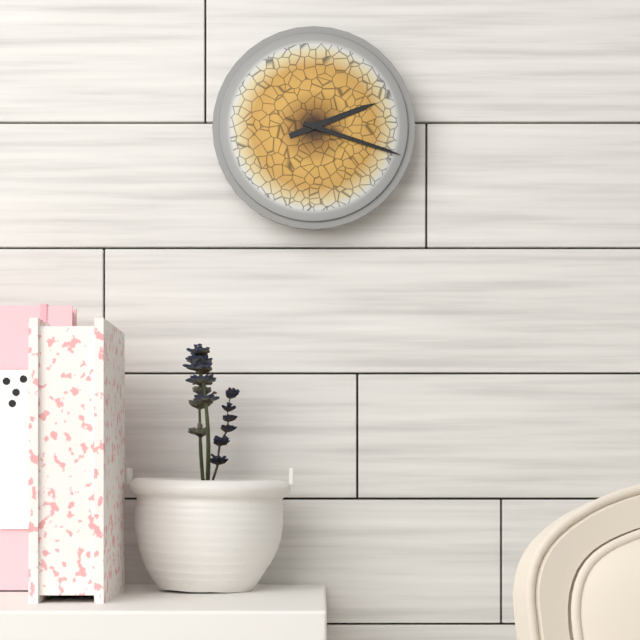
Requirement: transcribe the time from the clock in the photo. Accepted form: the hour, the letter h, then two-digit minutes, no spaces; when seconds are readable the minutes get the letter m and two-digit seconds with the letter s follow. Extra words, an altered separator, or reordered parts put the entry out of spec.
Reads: 2h18
